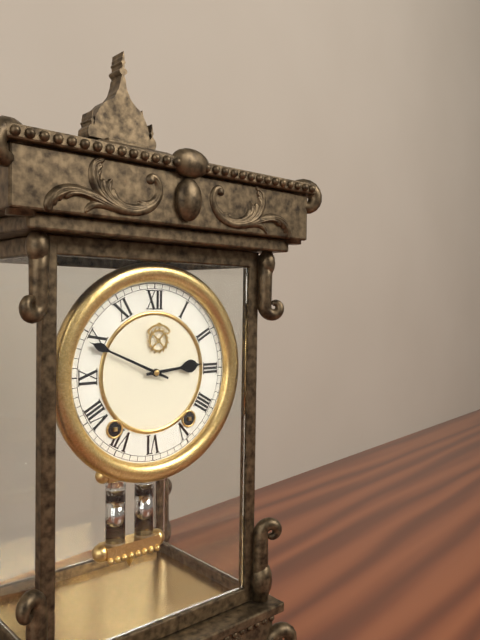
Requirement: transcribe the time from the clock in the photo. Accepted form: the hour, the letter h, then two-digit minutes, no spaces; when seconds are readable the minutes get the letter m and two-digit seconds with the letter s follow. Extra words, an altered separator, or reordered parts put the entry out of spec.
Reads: 2h49
